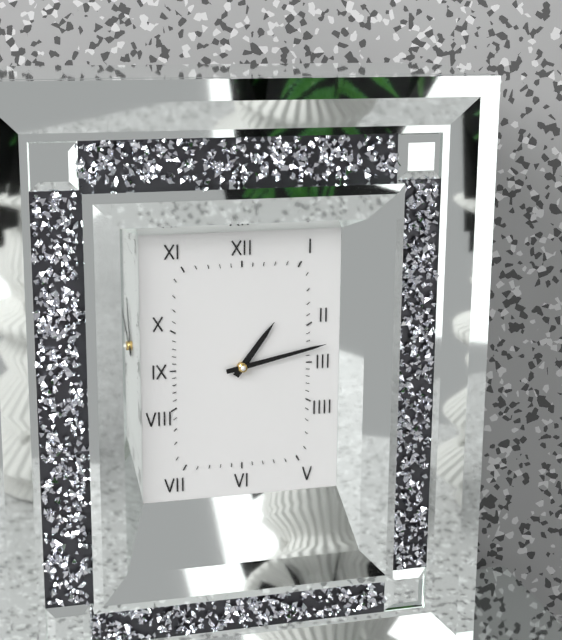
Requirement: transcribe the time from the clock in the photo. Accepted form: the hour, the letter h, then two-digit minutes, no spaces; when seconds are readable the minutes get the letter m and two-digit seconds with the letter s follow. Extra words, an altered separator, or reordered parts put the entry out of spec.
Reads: 1h13
